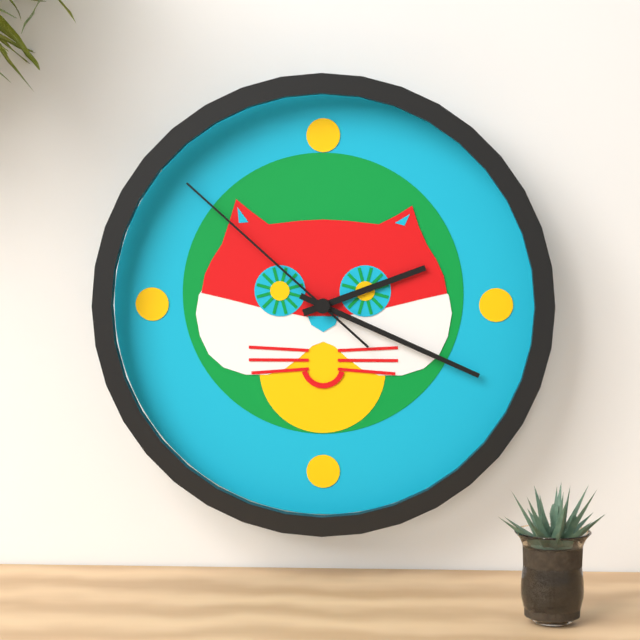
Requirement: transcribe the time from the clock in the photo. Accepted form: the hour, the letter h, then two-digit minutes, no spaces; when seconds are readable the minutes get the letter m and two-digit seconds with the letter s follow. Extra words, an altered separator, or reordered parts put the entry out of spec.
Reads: 2h19m52s
